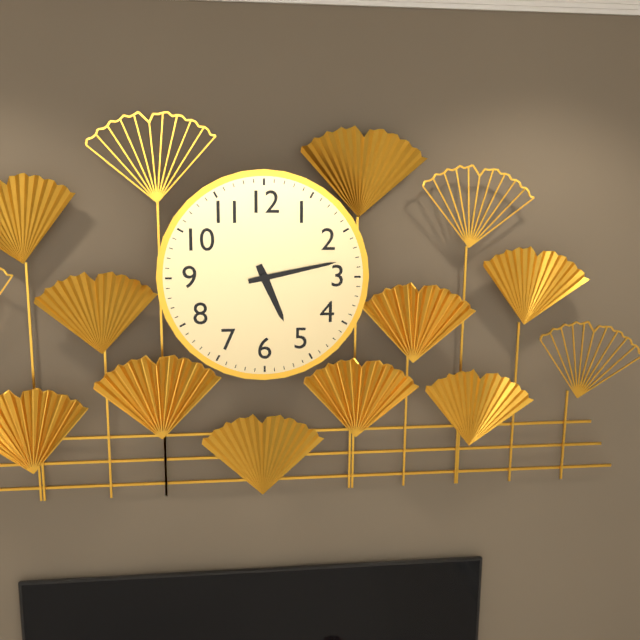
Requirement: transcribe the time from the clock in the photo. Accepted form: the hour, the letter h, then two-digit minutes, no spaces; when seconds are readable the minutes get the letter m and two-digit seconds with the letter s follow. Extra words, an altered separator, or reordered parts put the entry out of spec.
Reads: 5h13
